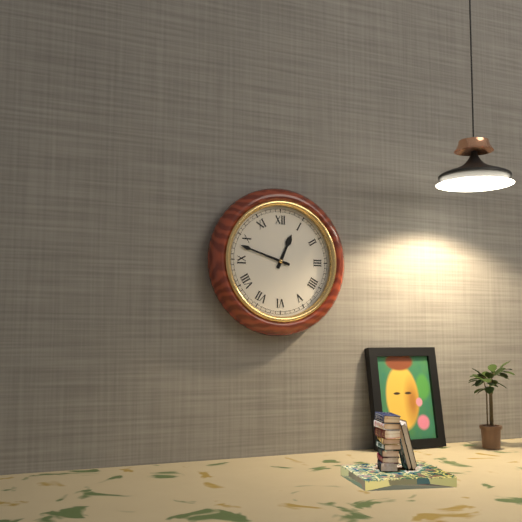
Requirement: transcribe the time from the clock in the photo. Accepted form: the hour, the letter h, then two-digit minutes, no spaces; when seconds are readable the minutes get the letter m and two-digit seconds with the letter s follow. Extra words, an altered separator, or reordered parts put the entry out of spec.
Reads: 12h48
